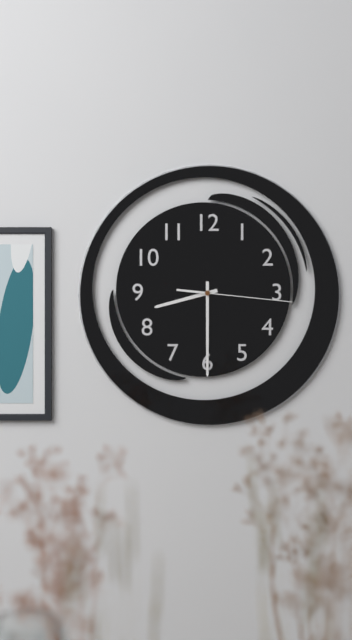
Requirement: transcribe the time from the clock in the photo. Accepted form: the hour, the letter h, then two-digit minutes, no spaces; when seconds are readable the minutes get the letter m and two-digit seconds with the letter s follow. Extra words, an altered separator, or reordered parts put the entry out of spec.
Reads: 8h30m16s
